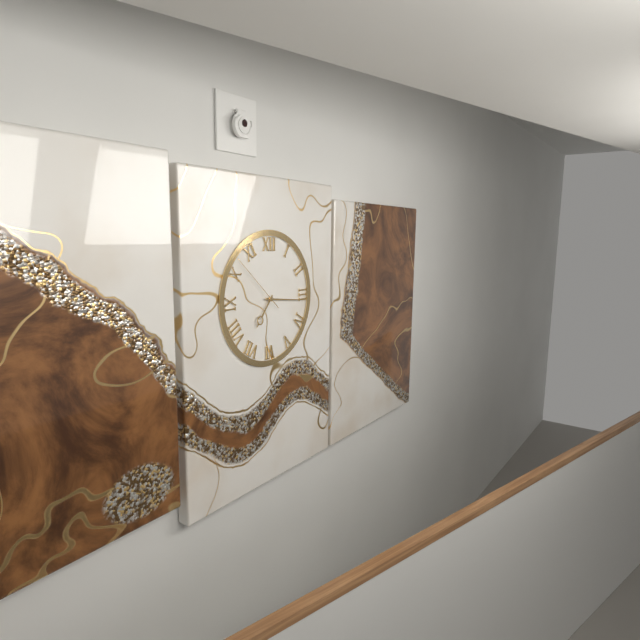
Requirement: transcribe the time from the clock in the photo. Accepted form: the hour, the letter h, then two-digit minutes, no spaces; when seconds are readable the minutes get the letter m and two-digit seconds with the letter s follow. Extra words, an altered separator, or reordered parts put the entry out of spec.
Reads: 7h16m52s
